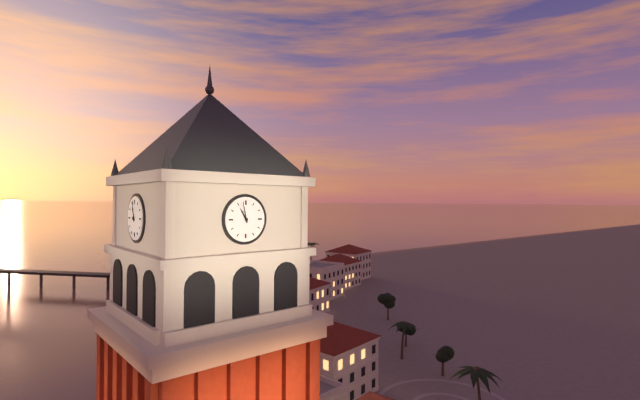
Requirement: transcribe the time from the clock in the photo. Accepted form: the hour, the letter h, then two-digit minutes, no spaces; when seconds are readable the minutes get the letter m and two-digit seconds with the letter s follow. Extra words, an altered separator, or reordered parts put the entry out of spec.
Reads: 10h58
